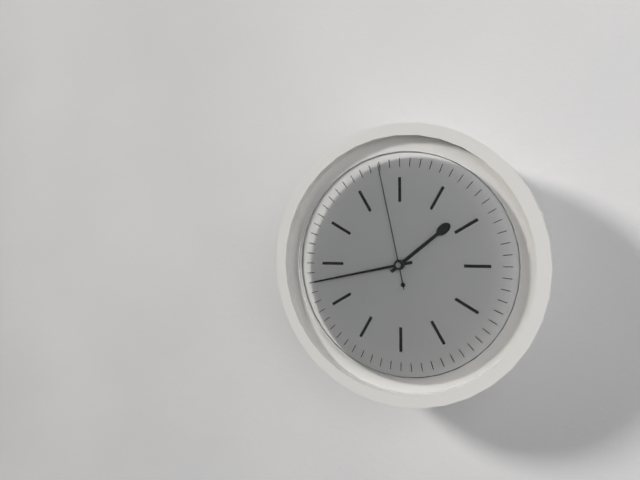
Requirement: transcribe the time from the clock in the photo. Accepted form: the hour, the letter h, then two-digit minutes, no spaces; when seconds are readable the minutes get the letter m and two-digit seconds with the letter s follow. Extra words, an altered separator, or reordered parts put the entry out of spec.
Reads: 1h43m58s
